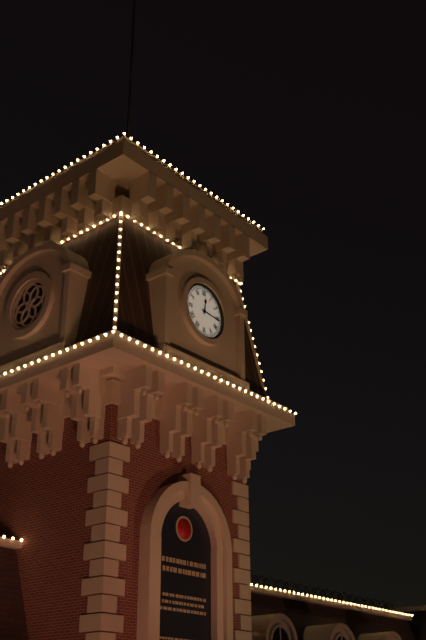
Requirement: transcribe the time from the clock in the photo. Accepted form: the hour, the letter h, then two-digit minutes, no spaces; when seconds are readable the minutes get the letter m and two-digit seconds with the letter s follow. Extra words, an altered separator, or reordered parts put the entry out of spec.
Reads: 12h16
